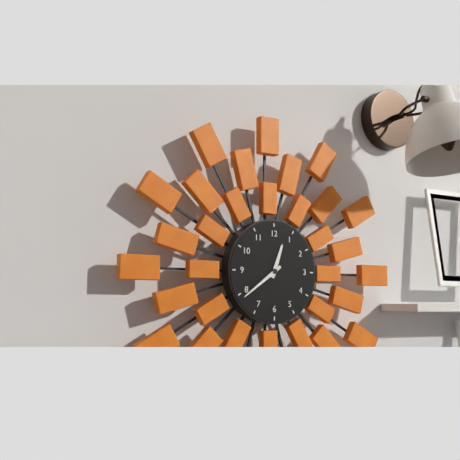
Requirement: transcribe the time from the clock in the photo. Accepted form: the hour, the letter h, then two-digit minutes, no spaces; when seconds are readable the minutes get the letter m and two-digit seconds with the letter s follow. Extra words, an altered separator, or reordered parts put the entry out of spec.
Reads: 12h39
